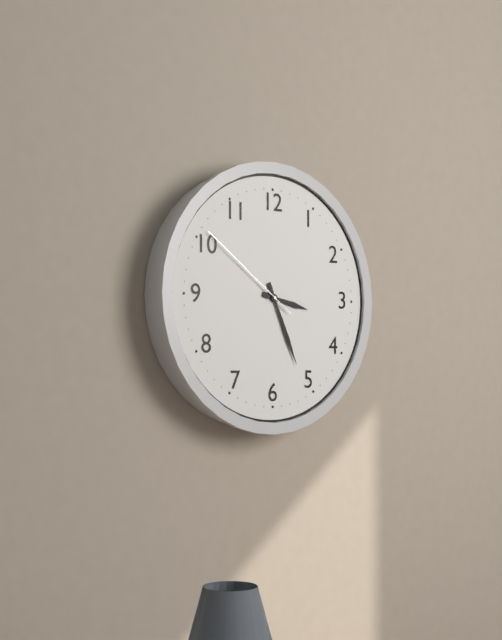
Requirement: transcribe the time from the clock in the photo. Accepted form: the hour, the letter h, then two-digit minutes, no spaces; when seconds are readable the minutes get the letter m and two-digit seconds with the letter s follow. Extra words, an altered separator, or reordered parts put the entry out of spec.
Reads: 3h26m51s
